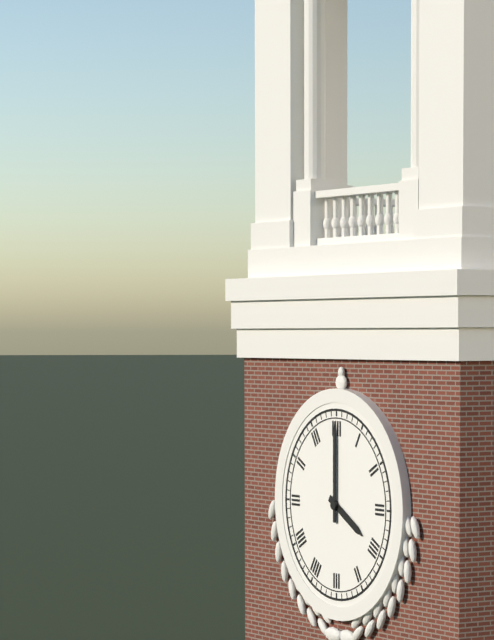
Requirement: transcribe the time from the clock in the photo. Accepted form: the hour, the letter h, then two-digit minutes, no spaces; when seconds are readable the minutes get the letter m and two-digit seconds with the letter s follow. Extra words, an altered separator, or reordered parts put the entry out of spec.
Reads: 4h00
